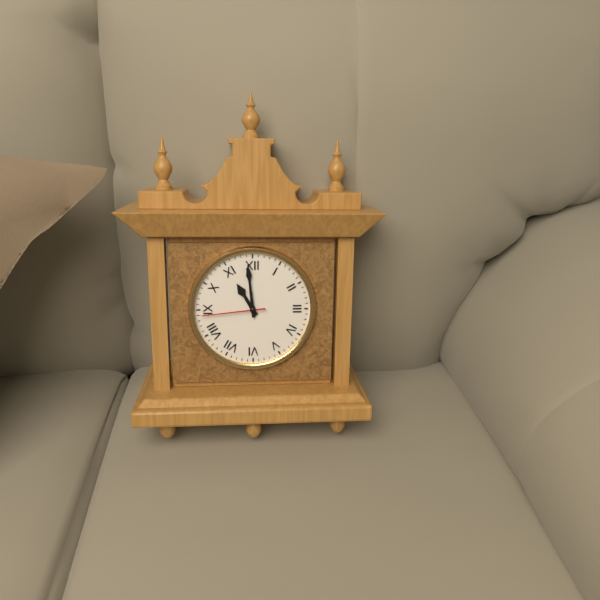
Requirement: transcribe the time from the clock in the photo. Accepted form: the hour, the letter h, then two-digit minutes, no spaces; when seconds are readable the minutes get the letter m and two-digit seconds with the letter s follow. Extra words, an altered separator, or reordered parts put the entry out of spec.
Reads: 10h59m44s
